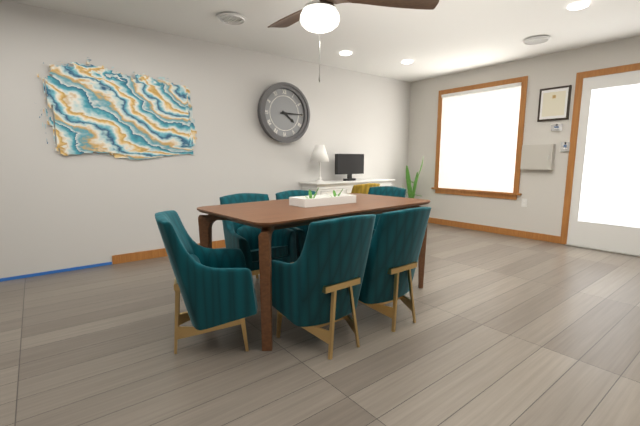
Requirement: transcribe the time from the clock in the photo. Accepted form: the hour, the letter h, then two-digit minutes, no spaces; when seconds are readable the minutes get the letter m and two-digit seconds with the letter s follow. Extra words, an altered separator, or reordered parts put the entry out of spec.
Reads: 4h15
